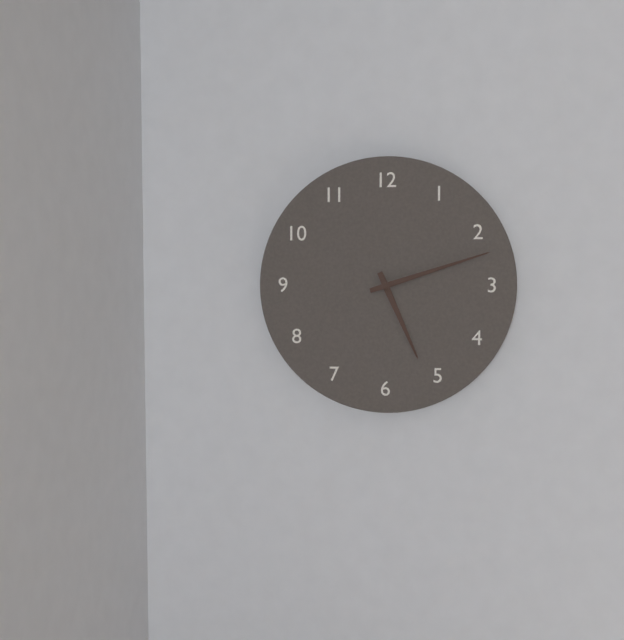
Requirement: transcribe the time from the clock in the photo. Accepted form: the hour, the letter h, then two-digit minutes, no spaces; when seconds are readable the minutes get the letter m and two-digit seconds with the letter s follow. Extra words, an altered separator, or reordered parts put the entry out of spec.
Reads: 5h12
